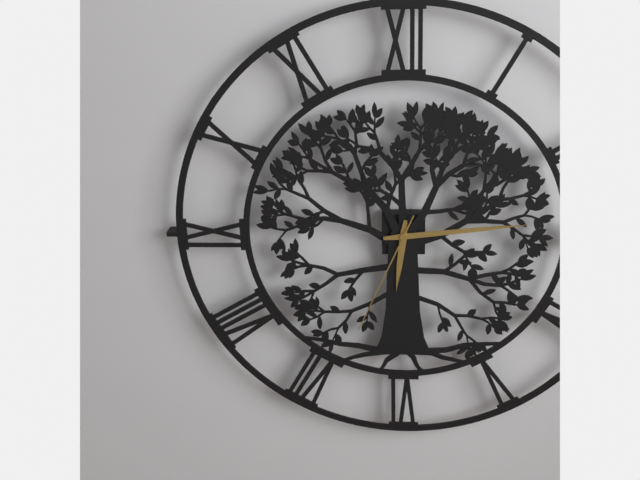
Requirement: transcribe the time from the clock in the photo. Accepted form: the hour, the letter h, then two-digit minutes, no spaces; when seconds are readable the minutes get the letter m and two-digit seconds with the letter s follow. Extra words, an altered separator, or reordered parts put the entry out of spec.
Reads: 6h14m34s
